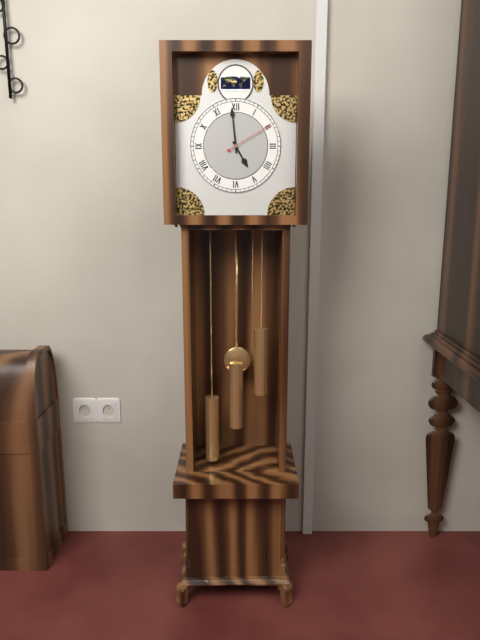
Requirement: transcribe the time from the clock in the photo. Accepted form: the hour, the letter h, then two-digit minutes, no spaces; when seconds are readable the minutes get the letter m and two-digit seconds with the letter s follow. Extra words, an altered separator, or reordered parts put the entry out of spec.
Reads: 4h59
